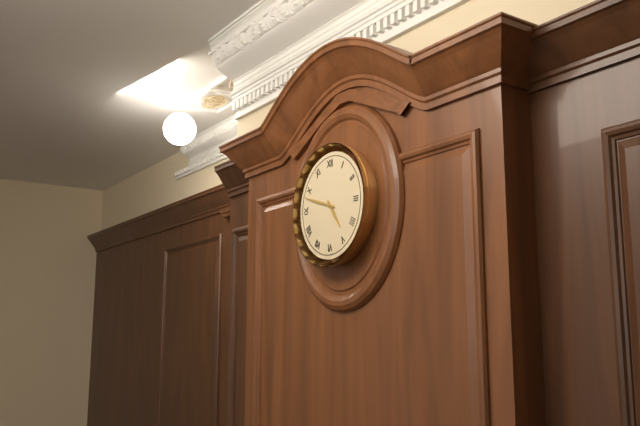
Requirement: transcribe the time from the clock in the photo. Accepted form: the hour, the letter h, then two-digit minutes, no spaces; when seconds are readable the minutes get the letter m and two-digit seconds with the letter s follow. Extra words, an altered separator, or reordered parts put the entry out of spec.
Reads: 4h48
